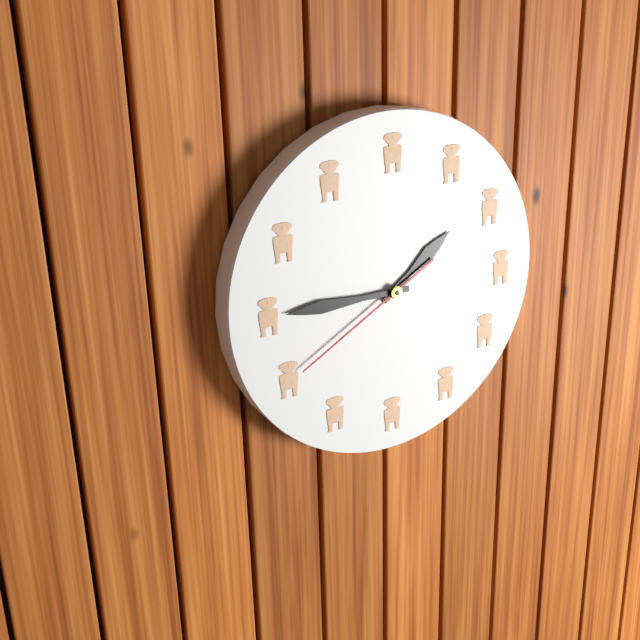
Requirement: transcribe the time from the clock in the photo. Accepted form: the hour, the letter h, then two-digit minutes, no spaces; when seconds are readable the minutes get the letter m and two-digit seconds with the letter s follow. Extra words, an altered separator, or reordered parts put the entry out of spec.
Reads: 1h45m40s
